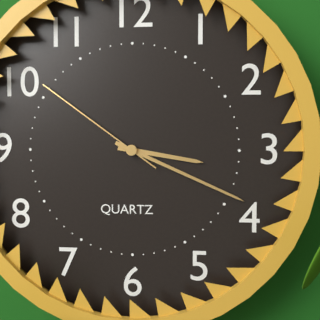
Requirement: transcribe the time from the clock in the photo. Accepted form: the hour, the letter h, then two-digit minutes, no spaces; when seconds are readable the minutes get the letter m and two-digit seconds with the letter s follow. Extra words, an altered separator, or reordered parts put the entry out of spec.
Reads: 3h19m51s
